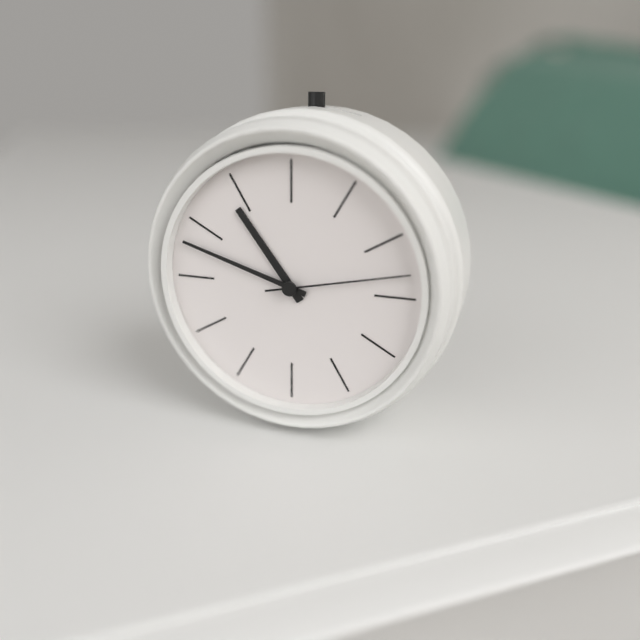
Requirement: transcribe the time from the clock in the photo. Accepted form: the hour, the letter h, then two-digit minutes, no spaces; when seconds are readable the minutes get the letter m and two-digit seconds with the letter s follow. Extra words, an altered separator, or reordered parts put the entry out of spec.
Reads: 10h48m13s
